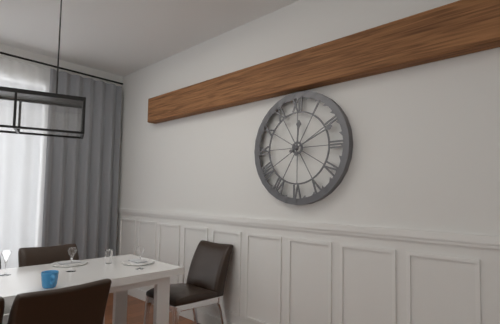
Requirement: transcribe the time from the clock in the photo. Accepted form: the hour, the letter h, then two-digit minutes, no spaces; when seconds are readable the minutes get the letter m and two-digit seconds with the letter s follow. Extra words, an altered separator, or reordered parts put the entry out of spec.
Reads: 12h11
